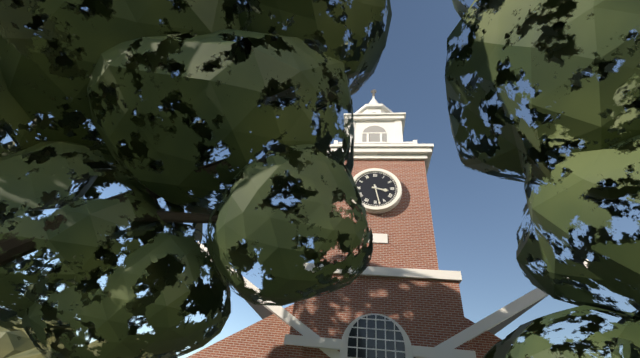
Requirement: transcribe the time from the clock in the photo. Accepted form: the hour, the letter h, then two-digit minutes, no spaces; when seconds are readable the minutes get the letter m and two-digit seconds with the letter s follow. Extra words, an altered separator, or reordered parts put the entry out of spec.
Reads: 3h28
